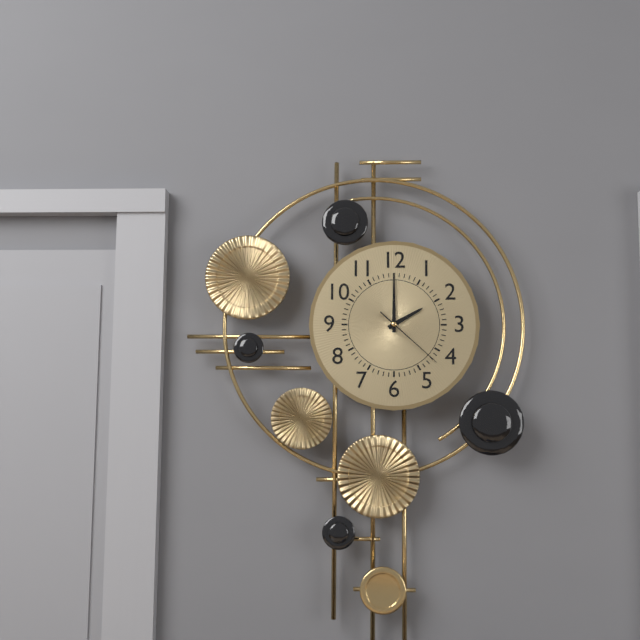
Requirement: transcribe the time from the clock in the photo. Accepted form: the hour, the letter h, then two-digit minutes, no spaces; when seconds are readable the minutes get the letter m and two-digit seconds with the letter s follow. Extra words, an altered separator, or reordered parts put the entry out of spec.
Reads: 2h00m22s
